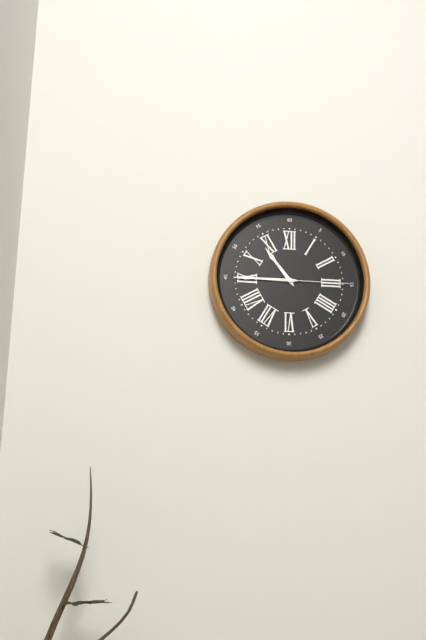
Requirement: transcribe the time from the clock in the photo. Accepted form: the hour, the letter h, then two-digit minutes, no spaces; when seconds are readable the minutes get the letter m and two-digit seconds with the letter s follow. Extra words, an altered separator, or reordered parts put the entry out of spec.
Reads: 10h45m15s
